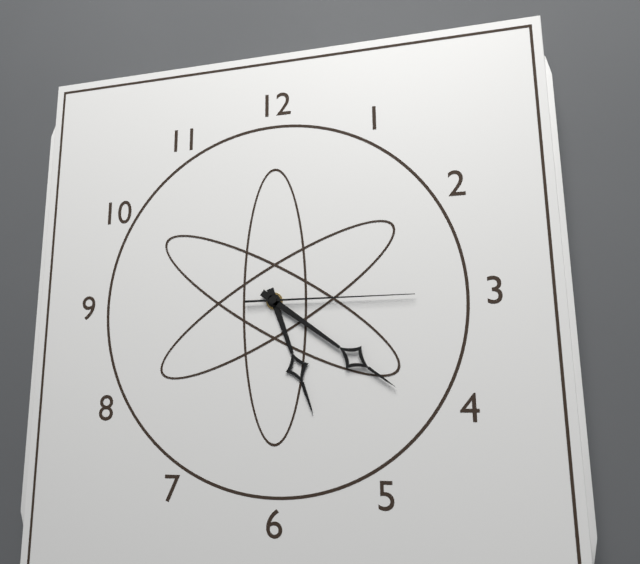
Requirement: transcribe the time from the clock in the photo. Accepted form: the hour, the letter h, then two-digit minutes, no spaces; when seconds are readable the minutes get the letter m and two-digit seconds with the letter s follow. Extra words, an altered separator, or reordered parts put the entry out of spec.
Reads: 5h21m15s
